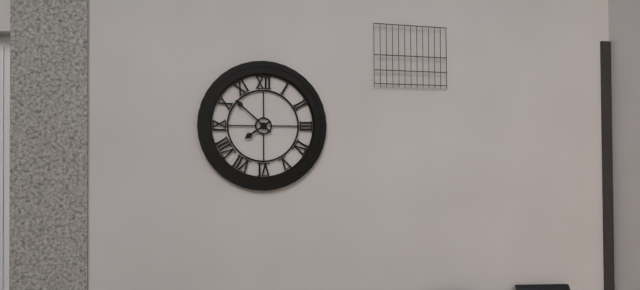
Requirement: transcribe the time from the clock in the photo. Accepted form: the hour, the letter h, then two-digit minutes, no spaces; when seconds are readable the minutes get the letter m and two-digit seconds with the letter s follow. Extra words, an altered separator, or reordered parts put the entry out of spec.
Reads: 7h52
